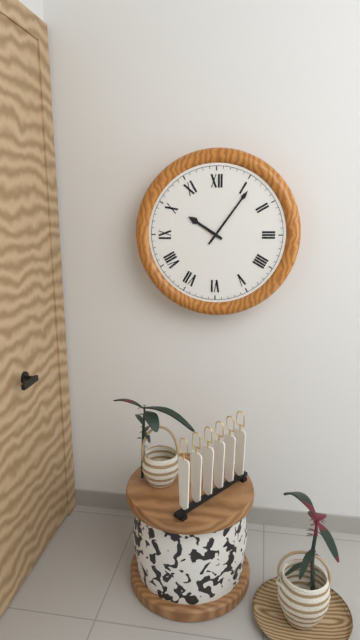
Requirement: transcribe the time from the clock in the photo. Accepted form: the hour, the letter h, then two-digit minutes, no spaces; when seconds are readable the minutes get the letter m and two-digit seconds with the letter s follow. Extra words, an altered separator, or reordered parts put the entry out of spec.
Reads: 10h06
